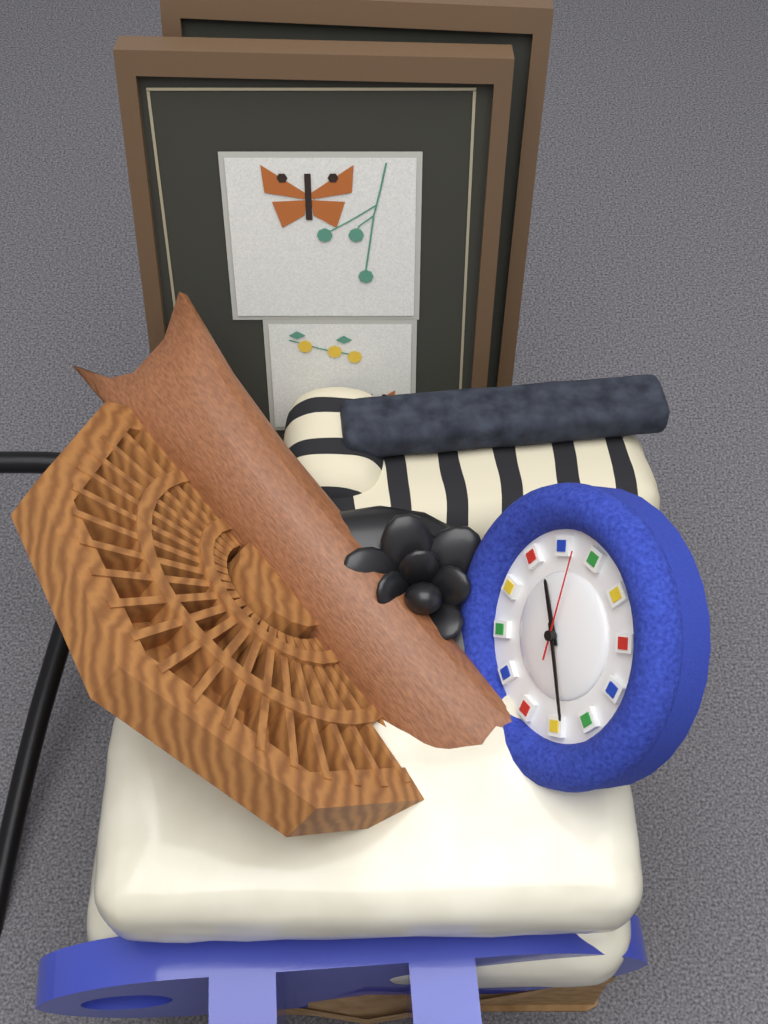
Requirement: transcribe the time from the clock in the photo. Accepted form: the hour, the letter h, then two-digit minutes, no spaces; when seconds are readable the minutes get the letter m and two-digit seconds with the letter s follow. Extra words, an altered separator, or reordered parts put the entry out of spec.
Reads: 11h28m03s
